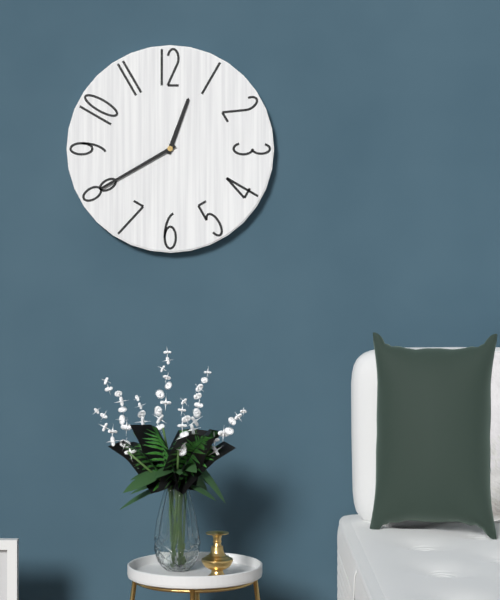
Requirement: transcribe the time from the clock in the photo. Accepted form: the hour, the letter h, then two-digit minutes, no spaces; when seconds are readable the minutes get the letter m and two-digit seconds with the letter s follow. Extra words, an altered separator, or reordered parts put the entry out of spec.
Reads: 12h40
